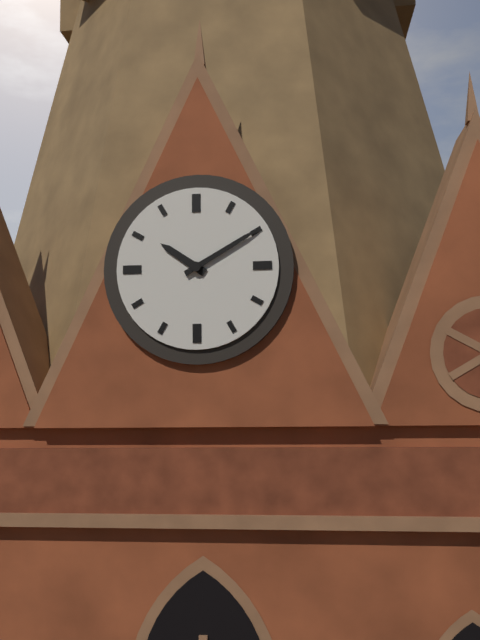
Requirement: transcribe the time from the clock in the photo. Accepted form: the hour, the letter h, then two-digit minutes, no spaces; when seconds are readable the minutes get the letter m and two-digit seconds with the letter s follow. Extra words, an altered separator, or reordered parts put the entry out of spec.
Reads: 10h10
